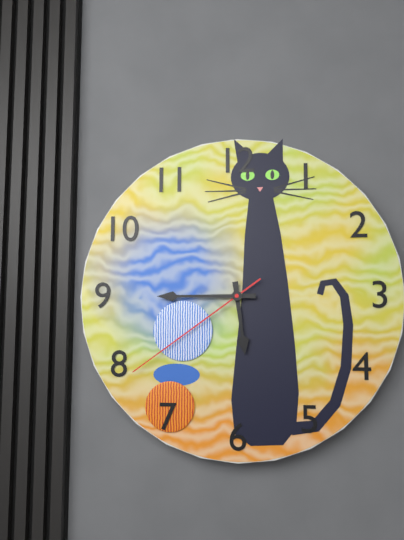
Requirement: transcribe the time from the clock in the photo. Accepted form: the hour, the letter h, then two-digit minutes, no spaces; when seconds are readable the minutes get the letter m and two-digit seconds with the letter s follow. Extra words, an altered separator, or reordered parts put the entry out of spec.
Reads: 5h45m39s
